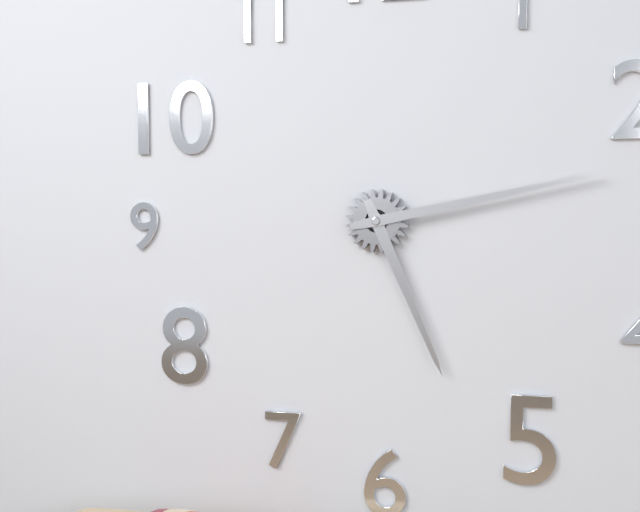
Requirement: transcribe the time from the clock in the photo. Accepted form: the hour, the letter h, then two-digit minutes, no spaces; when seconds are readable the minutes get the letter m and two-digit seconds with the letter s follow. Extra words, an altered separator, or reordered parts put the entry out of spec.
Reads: 5h13
